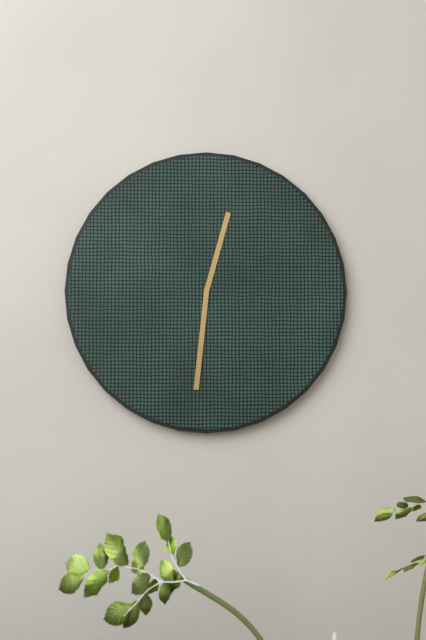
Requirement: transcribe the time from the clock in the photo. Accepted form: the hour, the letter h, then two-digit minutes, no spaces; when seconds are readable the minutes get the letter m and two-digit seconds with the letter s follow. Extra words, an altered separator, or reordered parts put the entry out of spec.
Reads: 12h31
